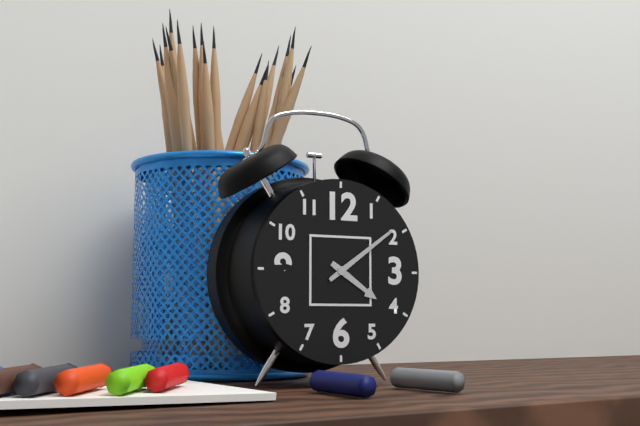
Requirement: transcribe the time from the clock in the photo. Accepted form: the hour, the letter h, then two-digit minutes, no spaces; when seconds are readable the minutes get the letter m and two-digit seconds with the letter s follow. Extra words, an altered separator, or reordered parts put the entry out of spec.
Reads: 4h09
